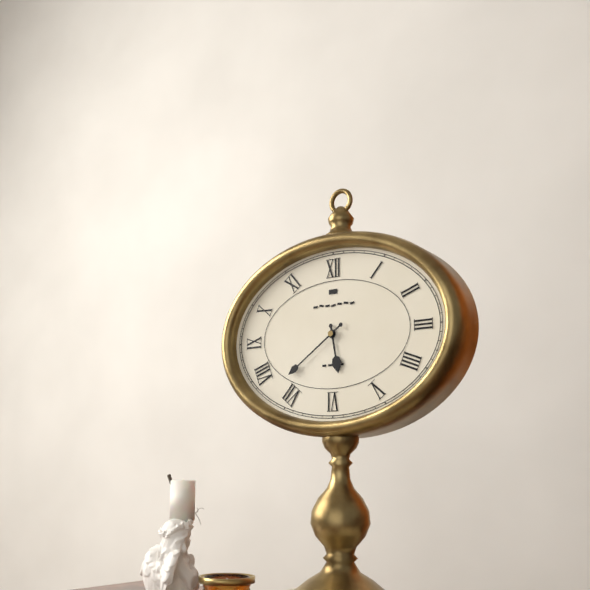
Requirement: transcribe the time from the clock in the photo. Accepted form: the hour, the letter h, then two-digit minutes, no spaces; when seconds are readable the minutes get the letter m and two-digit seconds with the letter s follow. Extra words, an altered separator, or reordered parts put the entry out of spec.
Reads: 5h39
